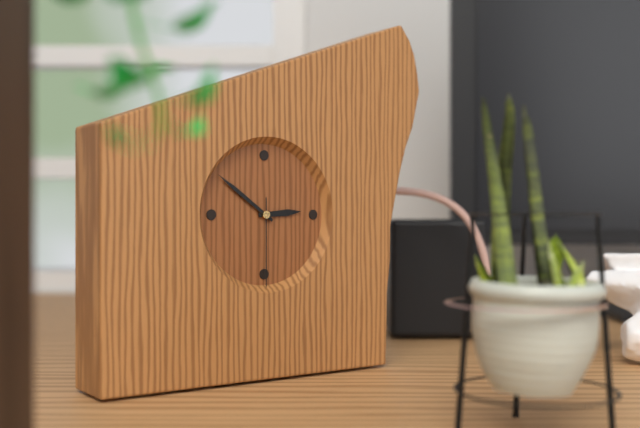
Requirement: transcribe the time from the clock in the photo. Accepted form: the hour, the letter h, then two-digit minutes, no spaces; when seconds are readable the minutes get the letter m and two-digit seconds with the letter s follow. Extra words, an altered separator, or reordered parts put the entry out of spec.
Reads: 2h51m30s
